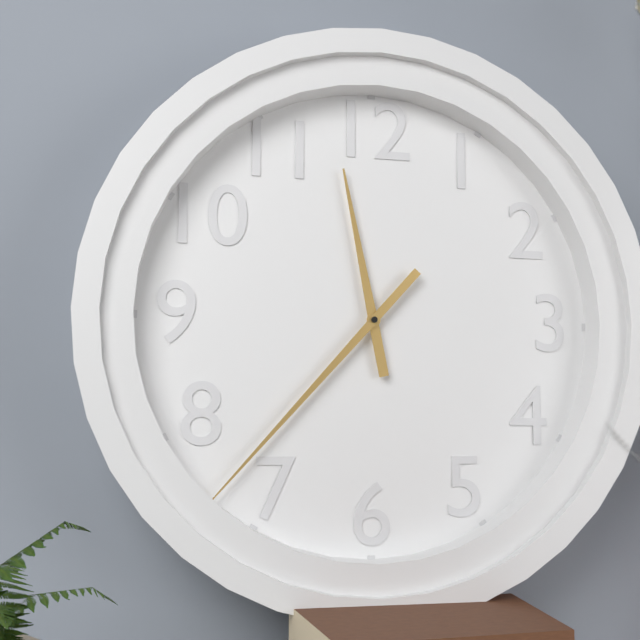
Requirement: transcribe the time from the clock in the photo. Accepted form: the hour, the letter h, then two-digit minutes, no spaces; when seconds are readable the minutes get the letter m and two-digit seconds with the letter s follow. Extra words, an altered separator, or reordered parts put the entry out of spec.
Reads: 11h37
